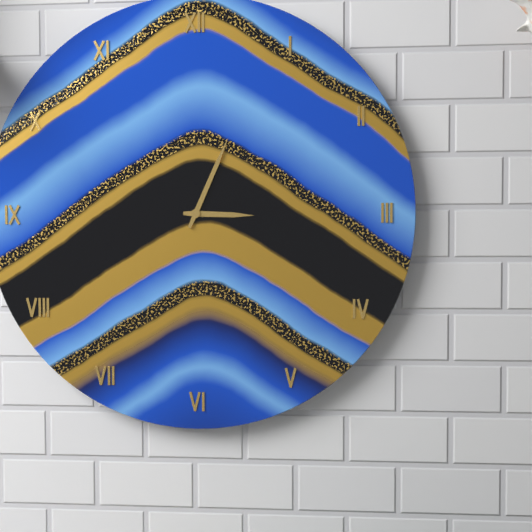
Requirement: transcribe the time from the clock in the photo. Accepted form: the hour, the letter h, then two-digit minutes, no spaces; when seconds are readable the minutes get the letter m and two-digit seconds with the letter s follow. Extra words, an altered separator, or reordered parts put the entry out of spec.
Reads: 3h04
